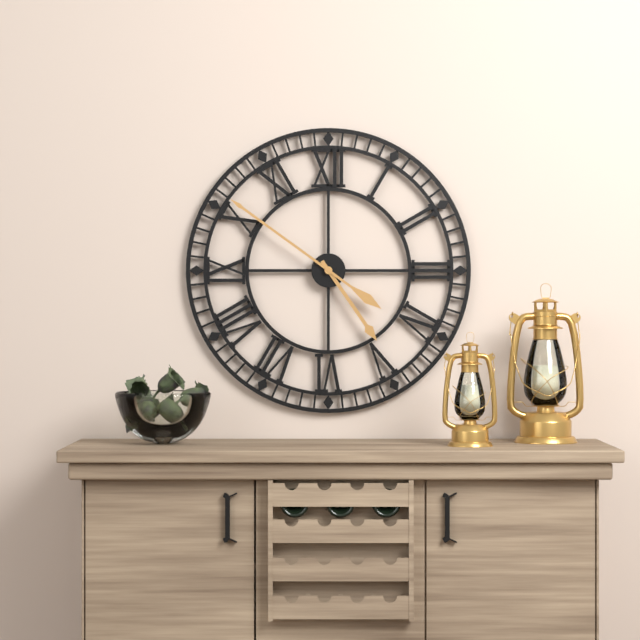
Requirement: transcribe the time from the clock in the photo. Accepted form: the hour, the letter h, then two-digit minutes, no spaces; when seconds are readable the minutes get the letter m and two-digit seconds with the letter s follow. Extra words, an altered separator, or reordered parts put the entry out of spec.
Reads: 4h51
